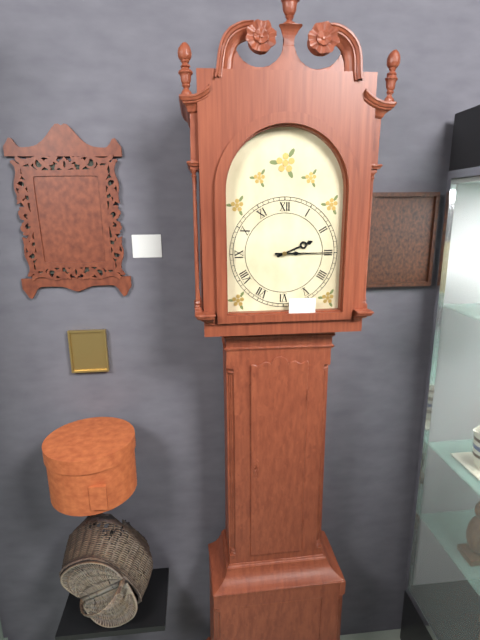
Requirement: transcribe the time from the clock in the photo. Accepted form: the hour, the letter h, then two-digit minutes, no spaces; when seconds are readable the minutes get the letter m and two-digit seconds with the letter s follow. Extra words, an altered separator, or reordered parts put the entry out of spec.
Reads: 2h15
